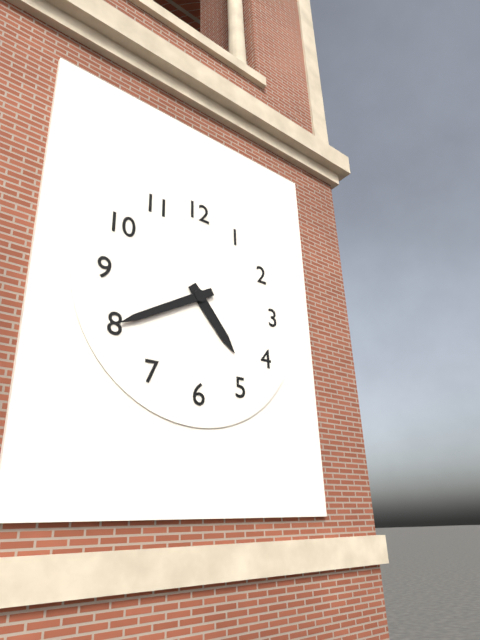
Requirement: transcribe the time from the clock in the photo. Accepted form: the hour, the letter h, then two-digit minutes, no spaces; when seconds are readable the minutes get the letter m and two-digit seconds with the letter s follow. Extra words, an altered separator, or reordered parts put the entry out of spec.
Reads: 4h40
